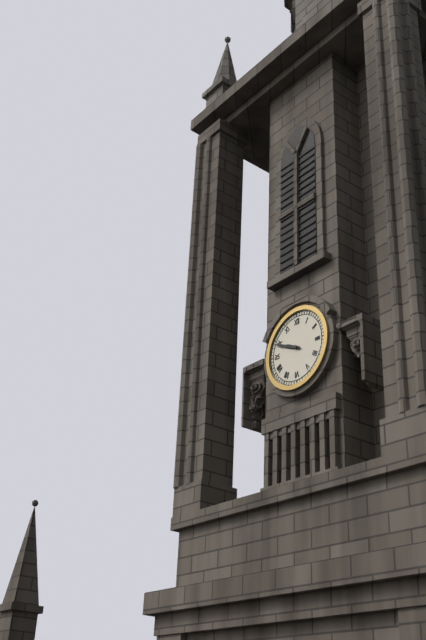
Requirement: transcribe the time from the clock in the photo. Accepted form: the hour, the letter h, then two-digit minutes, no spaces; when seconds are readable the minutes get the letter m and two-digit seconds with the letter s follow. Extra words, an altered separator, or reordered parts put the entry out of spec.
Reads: 9h49
